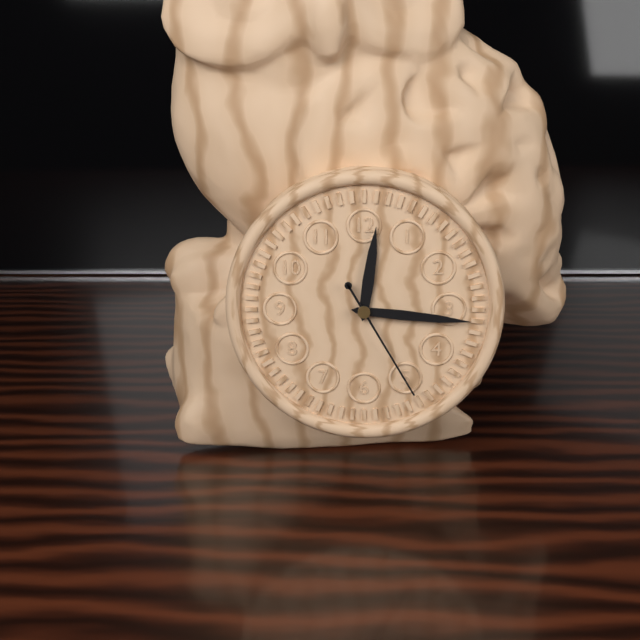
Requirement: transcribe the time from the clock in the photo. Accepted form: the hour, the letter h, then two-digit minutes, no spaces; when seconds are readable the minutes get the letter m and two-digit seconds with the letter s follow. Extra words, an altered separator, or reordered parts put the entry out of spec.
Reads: 12h16m25s
